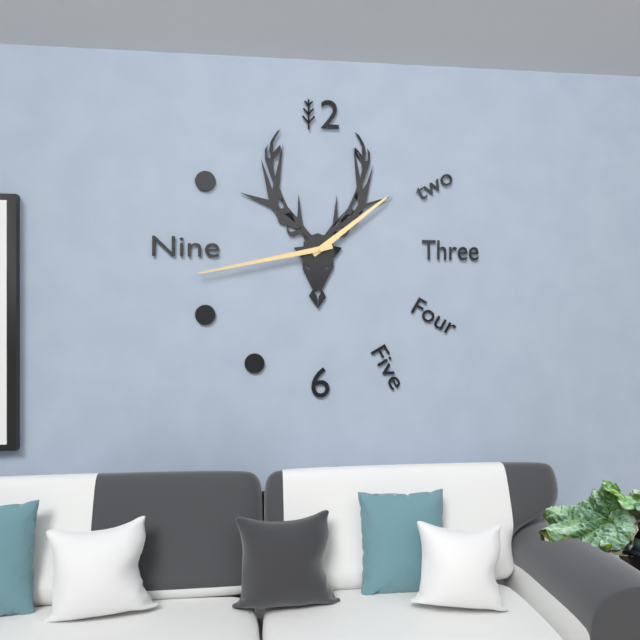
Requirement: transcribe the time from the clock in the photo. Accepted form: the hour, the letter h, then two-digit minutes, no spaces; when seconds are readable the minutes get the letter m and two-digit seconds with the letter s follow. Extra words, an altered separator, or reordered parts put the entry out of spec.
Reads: 1h43
